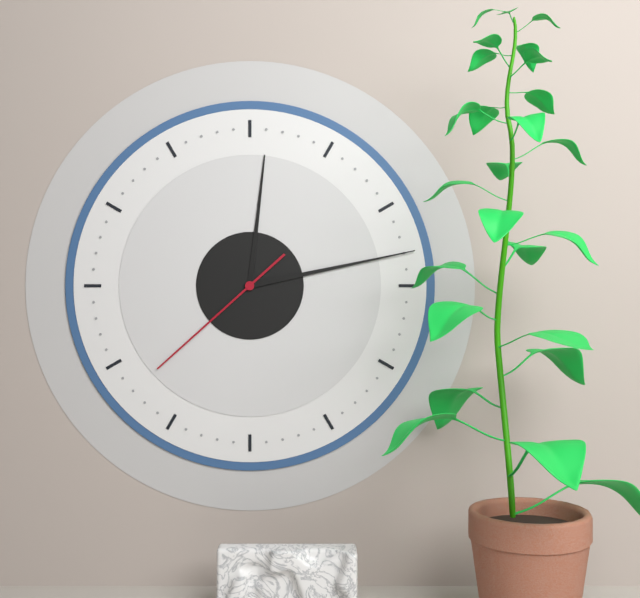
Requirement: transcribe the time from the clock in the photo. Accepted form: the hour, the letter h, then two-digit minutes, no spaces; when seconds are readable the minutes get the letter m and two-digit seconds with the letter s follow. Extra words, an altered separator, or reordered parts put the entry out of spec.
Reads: 12h13m38s
